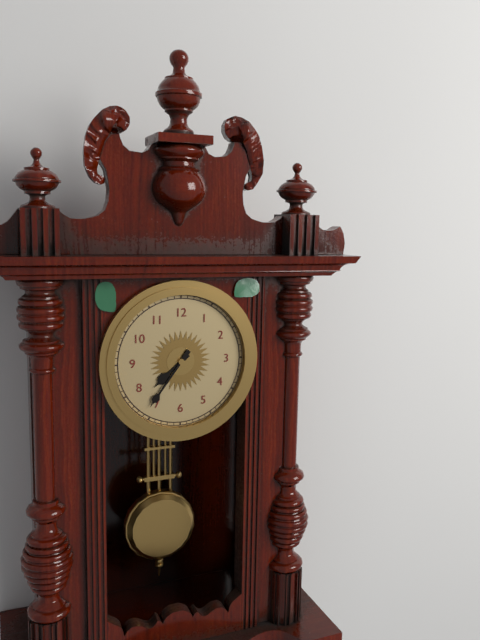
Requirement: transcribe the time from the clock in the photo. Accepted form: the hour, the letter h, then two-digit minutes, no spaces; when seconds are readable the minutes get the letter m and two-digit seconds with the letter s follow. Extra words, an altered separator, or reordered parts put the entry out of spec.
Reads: 7h36
